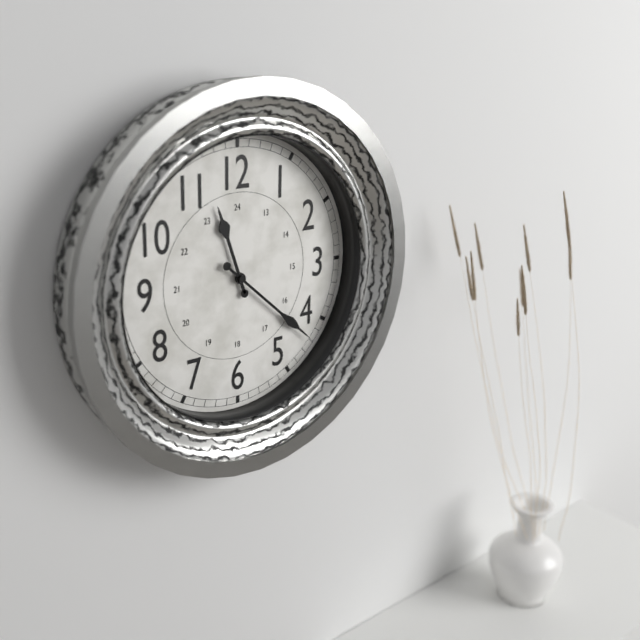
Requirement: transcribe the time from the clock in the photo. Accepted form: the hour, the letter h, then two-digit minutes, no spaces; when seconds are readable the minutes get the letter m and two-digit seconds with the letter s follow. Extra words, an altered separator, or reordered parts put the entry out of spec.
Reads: 11h22
